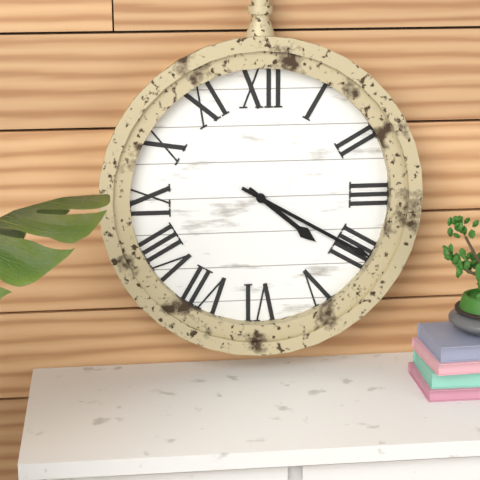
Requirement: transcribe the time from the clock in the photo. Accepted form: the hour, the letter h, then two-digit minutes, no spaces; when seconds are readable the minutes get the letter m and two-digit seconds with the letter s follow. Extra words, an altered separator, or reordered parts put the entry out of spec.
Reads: 4h20
